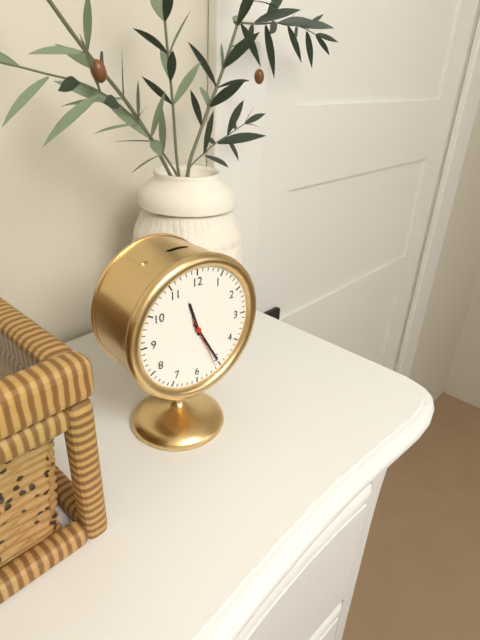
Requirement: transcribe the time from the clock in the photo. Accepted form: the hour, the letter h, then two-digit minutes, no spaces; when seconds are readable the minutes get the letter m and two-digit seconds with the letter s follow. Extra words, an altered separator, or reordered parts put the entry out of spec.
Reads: 11h25m26s
